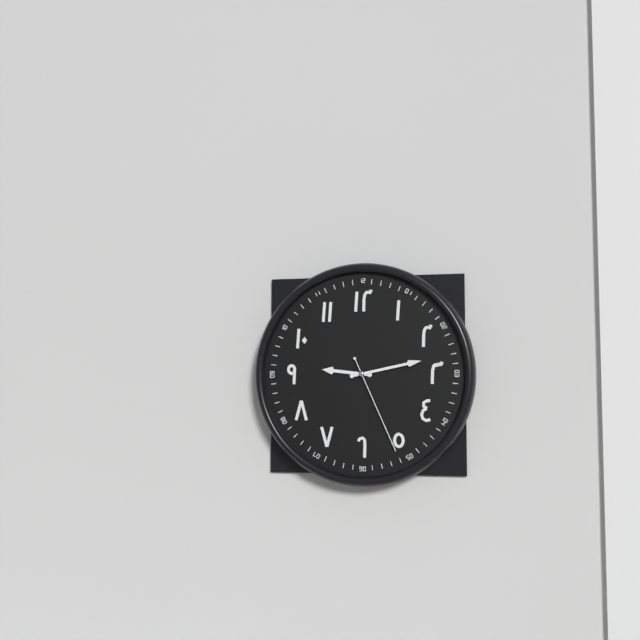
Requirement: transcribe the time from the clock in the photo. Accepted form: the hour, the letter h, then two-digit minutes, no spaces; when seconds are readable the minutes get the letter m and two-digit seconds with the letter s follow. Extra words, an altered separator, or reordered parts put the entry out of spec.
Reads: 9h13m26s
